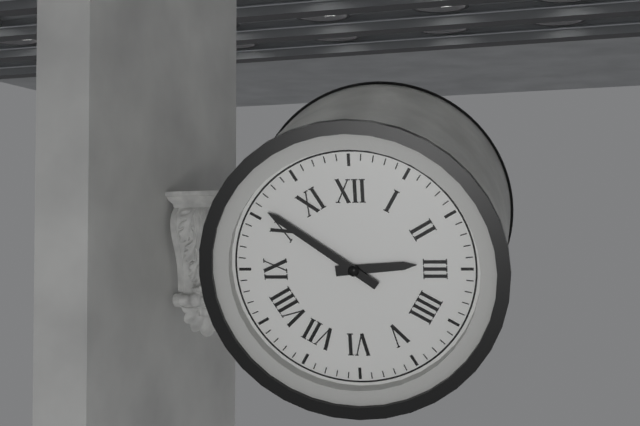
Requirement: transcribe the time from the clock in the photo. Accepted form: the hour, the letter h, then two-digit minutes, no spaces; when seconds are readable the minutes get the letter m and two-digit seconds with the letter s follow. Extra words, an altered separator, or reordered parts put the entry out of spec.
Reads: 2h51
